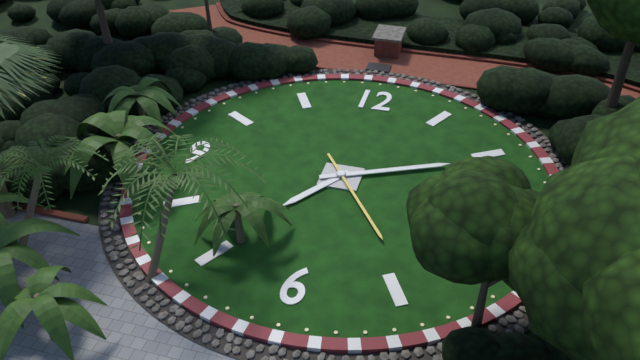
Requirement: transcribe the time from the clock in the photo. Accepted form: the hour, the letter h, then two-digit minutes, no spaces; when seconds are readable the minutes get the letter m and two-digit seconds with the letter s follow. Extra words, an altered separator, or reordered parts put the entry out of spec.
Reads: 7h11m24s
